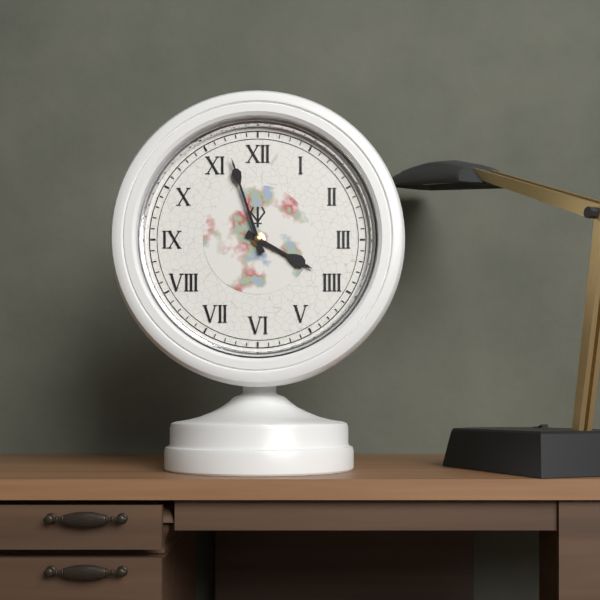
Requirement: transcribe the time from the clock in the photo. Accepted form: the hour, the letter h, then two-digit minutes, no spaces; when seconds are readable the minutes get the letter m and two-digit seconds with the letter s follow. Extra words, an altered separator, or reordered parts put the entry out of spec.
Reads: 3h57
